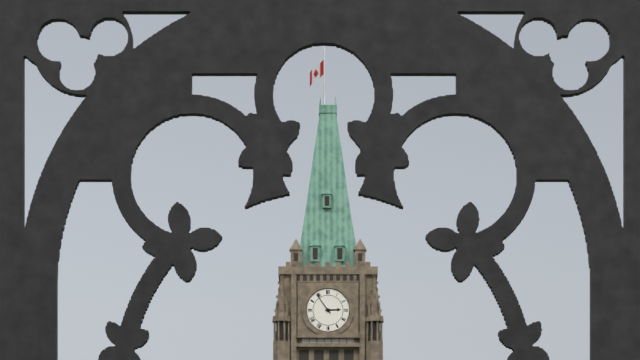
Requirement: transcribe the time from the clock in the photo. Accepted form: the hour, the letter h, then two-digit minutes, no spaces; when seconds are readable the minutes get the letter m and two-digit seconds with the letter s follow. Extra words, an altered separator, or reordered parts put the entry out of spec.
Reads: 2h54
